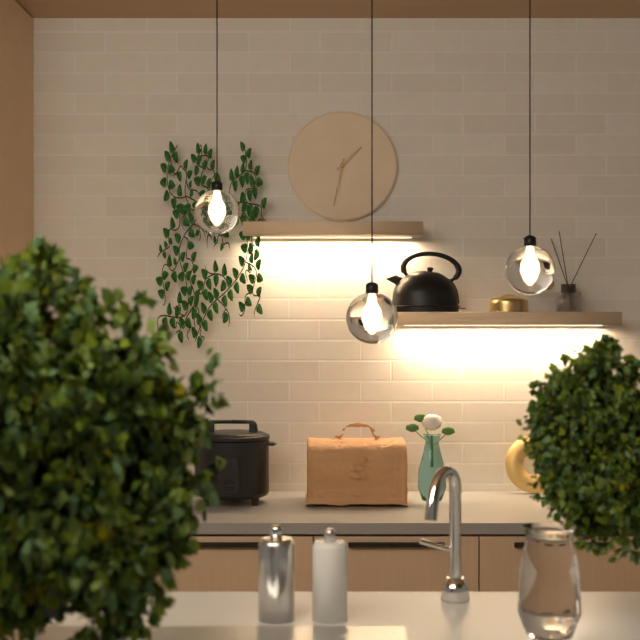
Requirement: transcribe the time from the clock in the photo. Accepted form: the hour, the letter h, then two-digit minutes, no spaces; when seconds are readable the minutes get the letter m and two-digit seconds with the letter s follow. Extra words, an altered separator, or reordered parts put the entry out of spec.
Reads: 1h32
